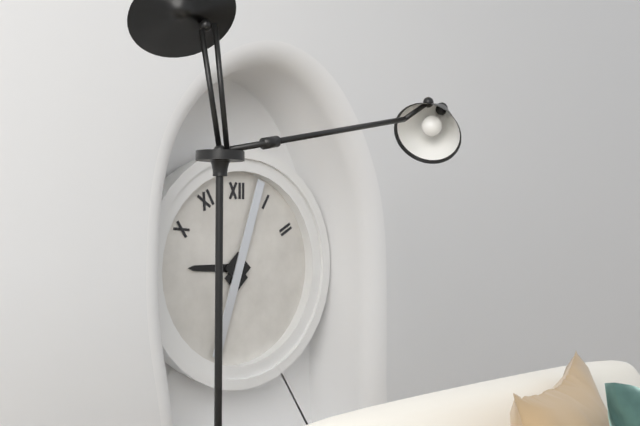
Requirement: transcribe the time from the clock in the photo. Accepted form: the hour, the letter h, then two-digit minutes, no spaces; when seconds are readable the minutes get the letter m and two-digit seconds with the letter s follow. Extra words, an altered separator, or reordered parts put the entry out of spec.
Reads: 9h03
